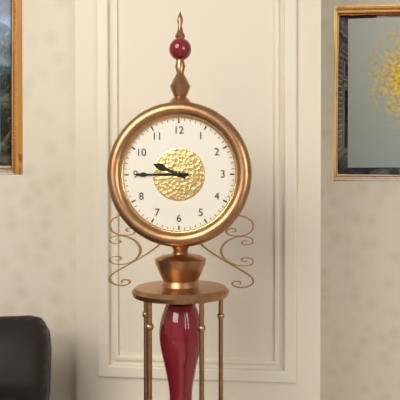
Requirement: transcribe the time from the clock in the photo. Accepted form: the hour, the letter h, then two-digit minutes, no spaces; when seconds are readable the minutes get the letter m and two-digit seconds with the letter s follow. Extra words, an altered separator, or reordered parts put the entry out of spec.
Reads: 9h45
